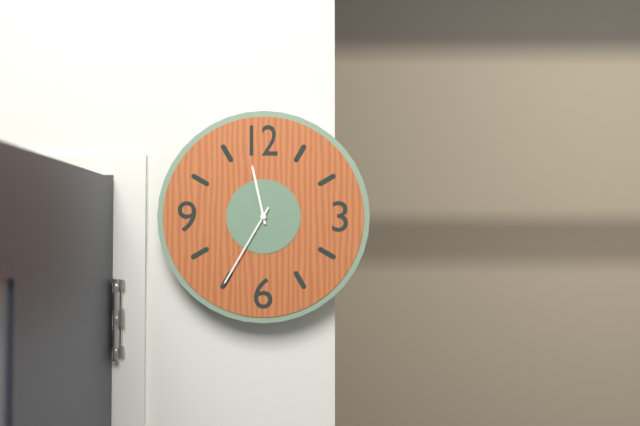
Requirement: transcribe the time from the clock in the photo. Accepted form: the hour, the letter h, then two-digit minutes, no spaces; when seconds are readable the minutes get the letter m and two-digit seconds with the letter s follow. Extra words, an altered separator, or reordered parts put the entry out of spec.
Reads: 11h35
